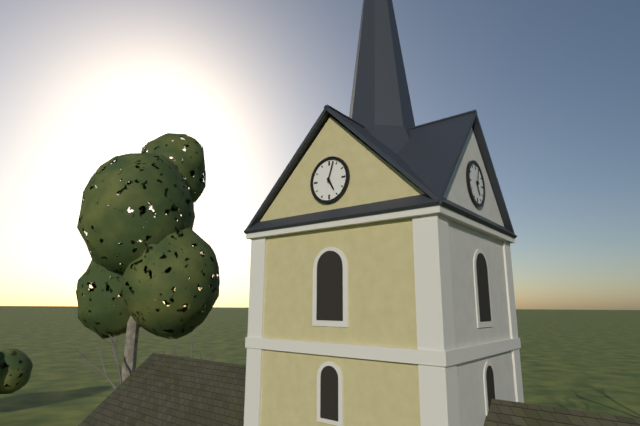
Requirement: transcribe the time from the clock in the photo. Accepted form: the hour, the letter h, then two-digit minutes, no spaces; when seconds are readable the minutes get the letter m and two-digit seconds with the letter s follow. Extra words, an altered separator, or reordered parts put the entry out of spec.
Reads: 5h03
